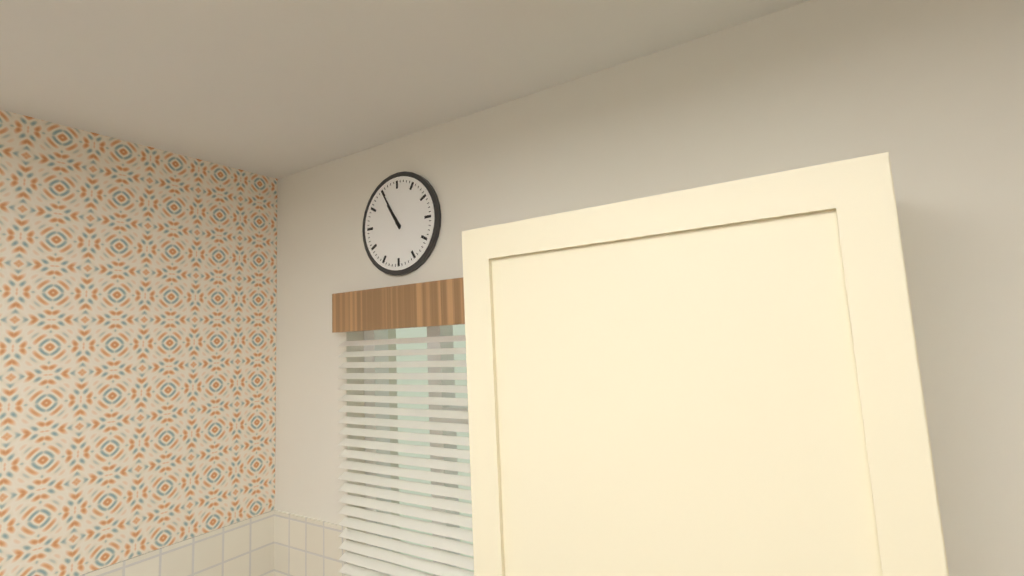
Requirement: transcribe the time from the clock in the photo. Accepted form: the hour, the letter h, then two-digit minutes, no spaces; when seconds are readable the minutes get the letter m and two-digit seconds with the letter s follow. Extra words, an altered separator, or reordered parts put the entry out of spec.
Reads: 10h55
